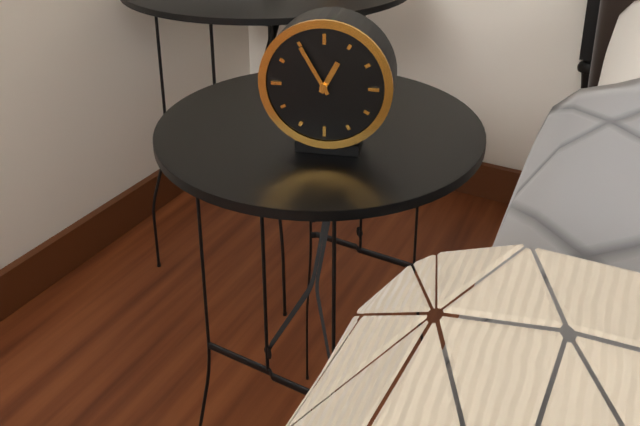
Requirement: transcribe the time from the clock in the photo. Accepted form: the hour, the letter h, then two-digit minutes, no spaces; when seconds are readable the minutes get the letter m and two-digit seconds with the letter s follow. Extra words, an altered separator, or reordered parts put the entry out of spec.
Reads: 12h55
